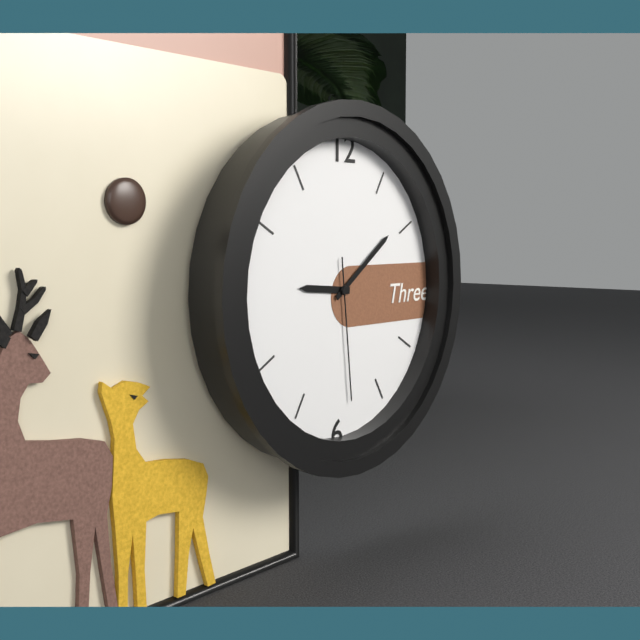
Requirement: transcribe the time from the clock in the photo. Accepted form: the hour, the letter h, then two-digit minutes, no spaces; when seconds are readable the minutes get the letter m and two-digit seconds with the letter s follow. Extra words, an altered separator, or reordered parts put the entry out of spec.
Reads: 9h09m29s
